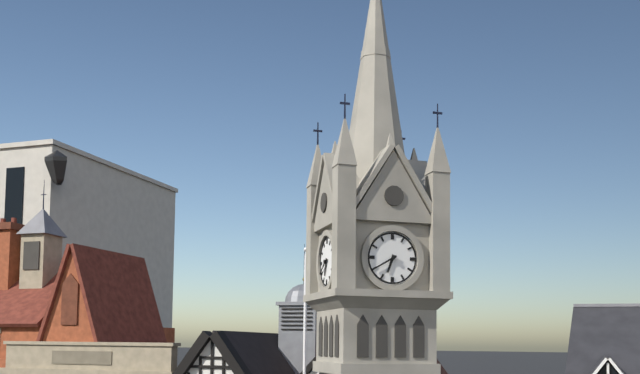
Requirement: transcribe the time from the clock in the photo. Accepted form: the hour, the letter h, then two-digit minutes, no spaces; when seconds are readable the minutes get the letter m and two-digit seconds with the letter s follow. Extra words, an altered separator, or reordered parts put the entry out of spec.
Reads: 6h40
